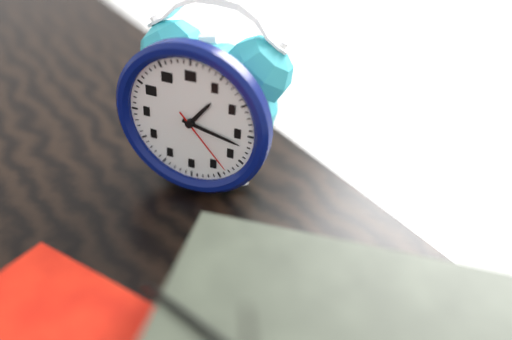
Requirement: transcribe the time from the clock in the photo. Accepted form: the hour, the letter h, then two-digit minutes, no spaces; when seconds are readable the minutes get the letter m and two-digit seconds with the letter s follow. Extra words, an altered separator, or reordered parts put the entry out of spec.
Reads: 1h17m23s
